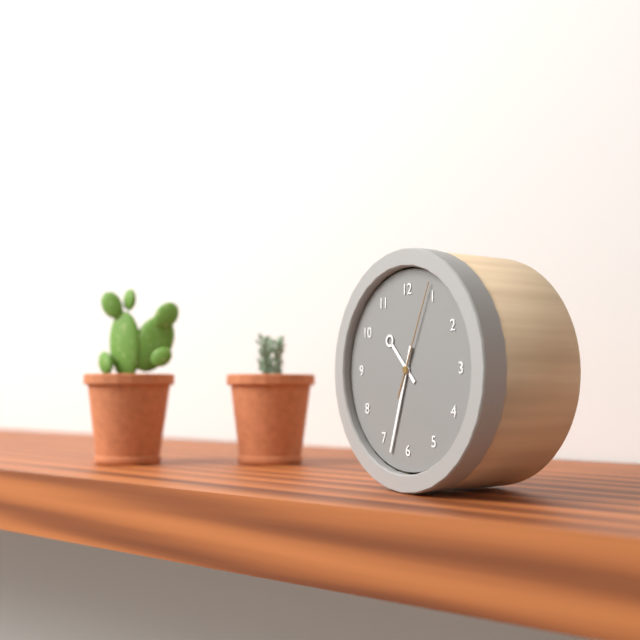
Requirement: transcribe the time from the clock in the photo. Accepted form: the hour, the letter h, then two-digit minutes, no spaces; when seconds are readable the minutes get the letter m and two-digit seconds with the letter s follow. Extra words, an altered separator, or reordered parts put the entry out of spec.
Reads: 10h33m04s
